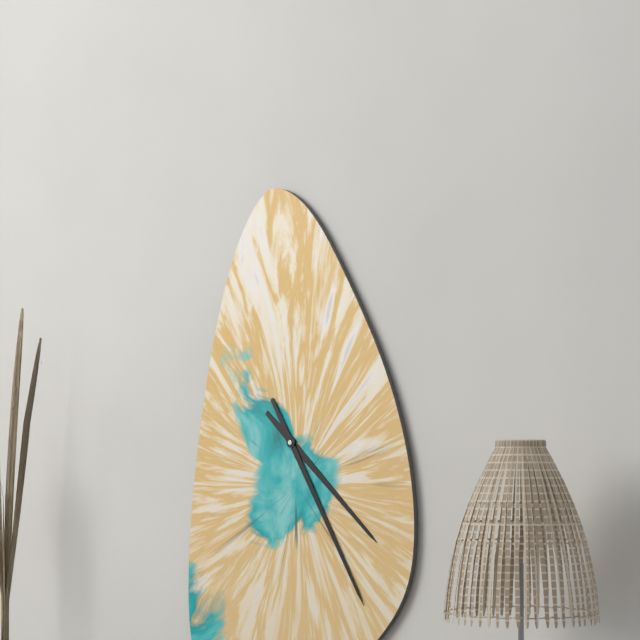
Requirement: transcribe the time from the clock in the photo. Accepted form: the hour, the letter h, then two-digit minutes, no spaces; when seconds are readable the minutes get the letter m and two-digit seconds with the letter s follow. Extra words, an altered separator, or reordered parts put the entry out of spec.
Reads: 4h25
